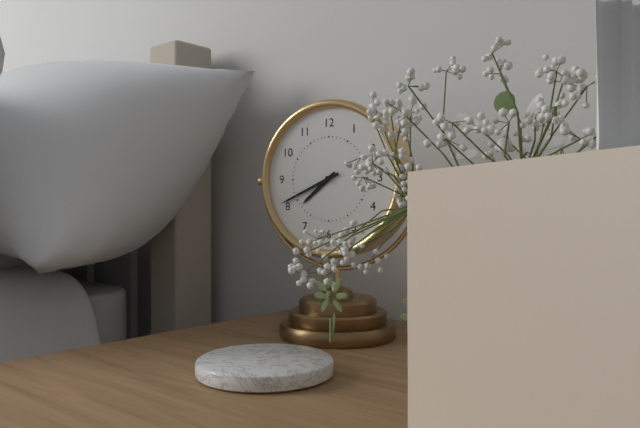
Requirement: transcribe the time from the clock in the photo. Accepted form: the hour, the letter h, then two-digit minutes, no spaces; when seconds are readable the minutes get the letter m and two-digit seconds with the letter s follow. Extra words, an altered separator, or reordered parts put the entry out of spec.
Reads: 7h41
